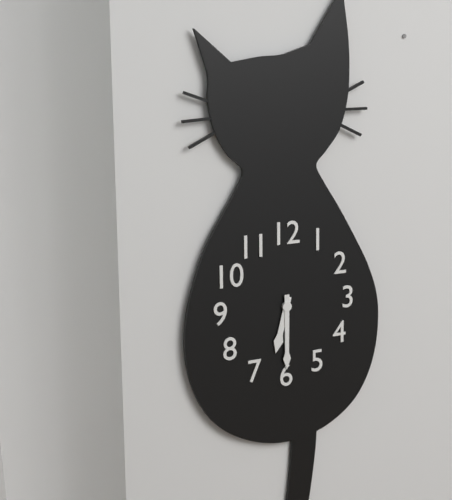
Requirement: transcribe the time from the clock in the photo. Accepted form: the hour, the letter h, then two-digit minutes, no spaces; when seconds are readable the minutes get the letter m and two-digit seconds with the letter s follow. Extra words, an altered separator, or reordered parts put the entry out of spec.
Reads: 6h30
